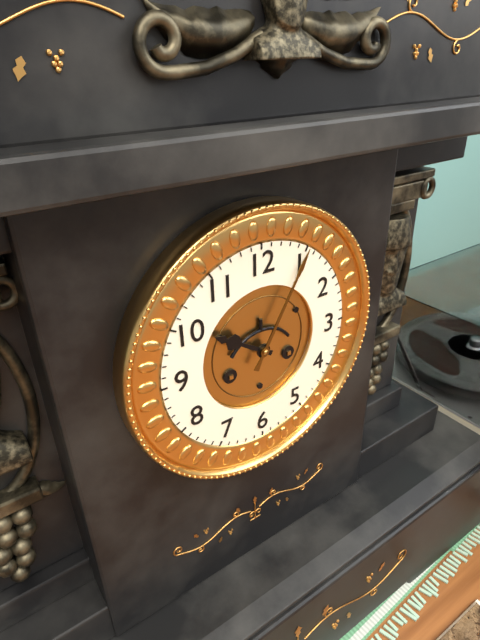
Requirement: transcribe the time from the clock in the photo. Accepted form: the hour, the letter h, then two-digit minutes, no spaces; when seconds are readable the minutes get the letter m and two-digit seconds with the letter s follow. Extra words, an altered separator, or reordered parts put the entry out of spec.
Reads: 10h05
